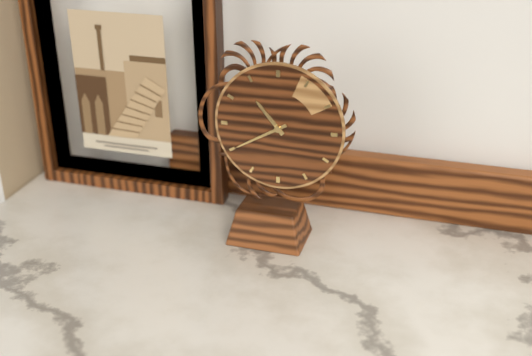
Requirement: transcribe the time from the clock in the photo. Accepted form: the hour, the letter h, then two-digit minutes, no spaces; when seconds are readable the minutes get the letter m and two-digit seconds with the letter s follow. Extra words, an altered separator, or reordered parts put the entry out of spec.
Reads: 10h40
